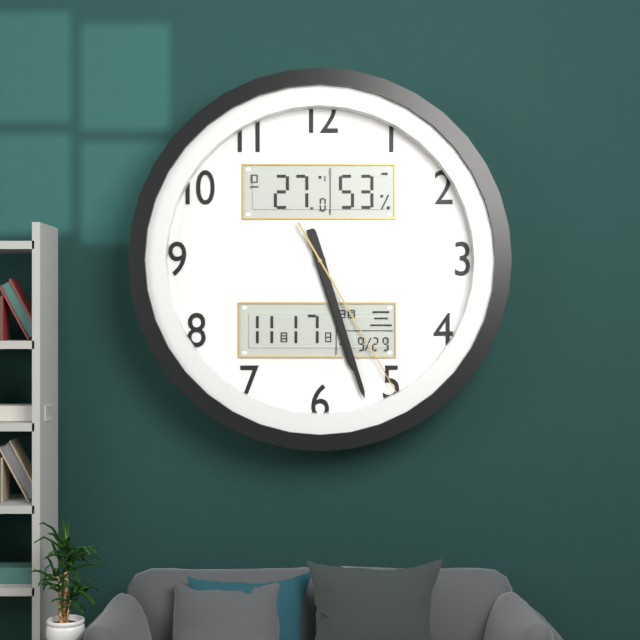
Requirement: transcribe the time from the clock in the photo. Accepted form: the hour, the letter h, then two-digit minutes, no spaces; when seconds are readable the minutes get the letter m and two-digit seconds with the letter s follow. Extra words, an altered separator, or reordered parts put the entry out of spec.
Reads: 5h27m25s
